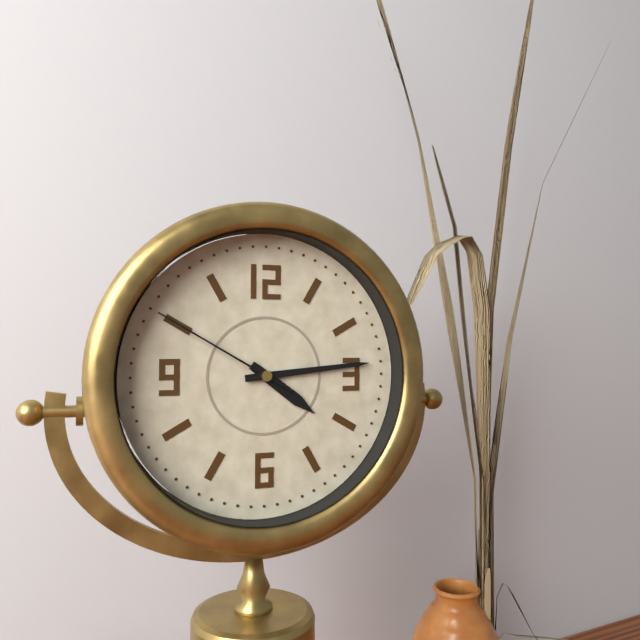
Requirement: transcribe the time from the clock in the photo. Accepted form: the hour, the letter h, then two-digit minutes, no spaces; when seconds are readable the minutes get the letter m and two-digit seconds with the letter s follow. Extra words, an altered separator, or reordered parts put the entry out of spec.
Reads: 4h14m50s
